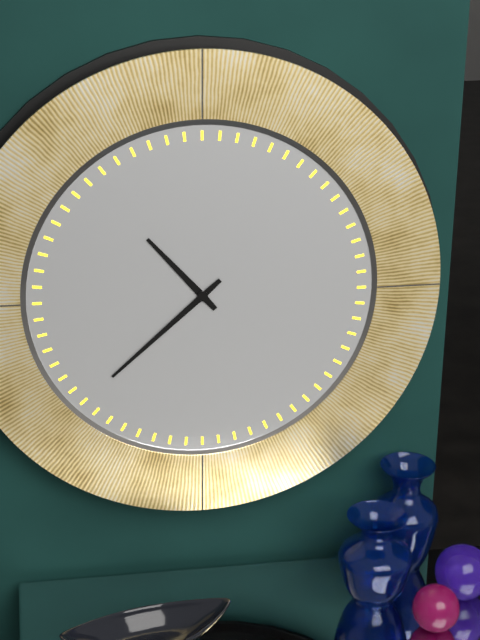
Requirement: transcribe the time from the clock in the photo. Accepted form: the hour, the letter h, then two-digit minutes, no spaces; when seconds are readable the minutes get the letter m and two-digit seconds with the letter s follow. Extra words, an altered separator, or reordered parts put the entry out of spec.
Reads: 10h38
